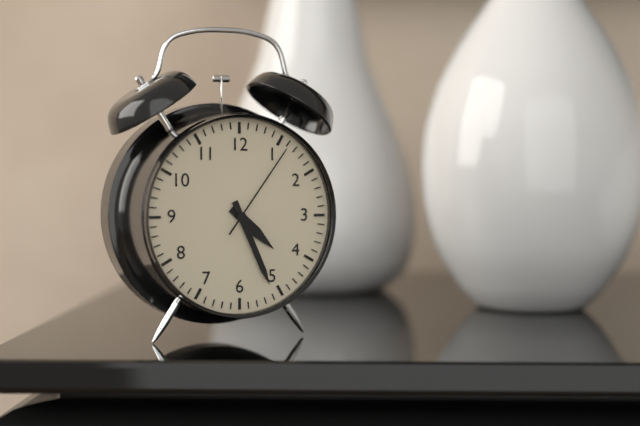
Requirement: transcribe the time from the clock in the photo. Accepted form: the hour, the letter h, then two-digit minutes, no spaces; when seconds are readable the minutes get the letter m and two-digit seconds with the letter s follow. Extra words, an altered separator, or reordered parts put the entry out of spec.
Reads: 4h26m06s
